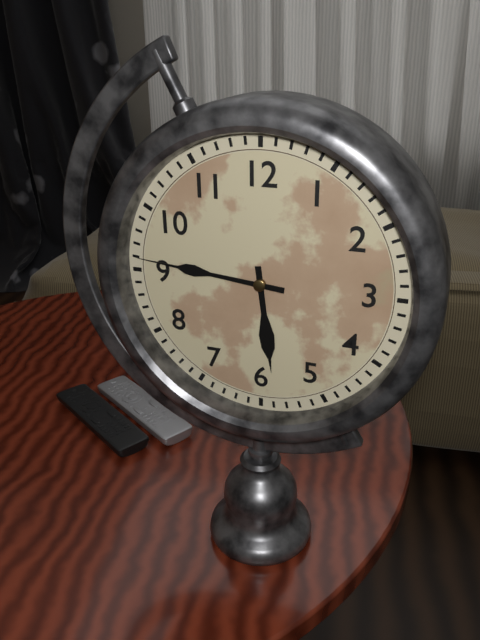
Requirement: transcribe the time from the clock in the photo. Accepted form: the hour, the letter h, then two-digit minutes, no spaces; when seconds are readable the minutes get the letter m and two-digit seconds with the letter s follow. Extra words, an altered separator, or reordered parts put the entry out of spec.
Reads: 5h46
